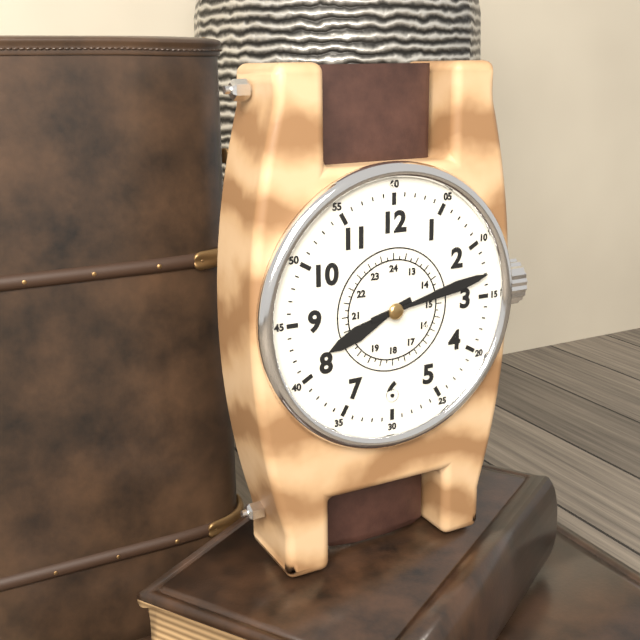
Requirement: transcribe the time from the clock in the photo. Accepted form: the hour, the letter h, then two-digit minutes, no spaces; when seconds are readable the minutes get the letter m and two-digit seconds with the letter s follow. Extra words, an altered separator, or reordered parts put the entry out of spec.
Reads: 8h13
